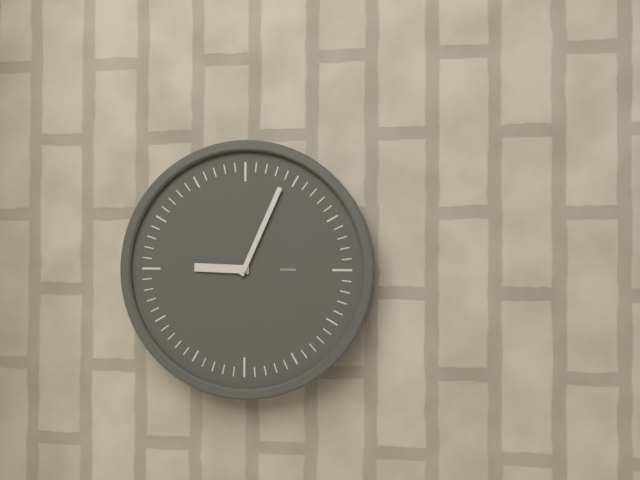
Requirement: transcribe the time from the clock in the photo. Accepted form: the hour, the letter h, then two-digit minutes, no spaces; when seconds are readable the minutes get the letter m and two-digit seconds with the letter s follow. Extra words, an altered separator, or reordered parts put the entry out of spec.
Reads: 9h04
